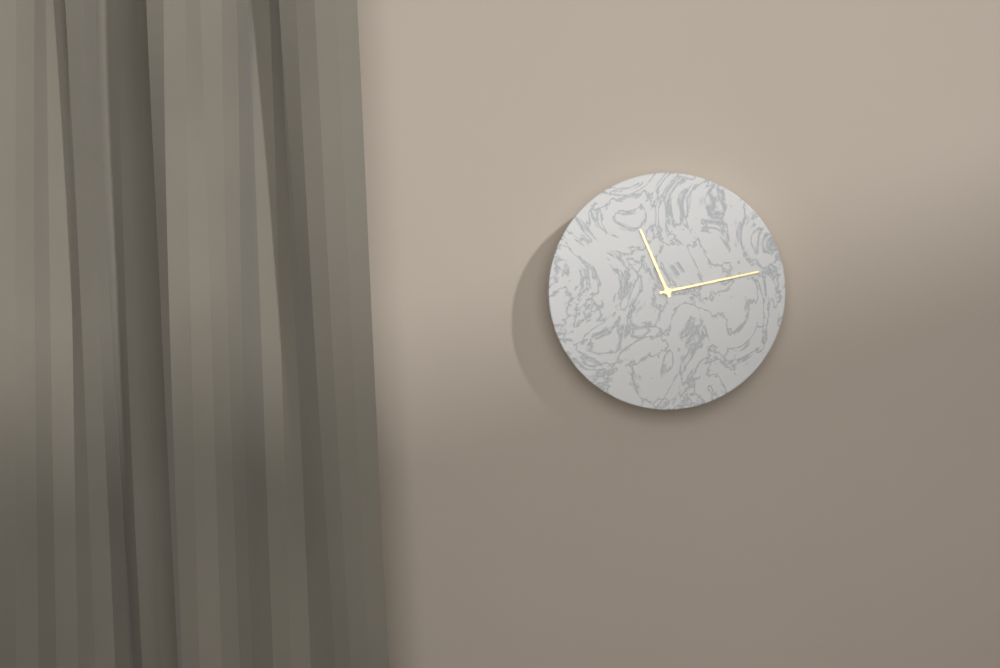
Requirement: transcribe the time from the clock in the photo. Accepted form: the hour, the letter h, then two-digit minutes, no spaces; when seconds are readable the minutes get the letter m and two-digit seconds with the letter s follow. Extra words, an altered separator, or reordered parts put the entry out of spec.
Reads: 11h13
